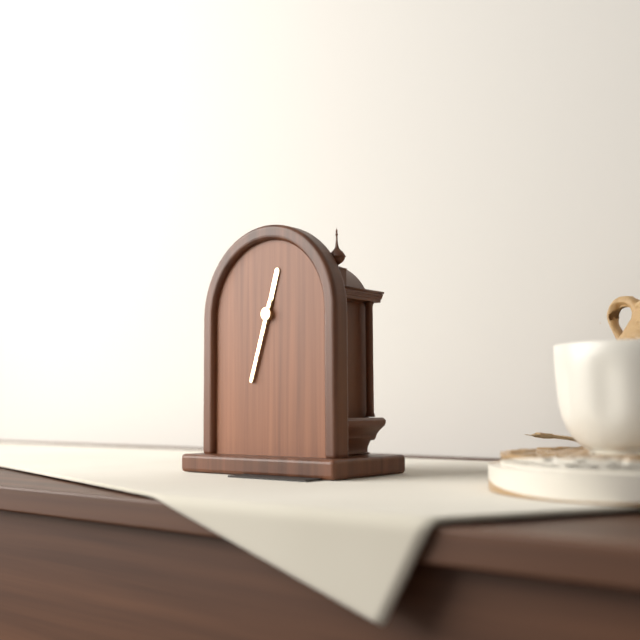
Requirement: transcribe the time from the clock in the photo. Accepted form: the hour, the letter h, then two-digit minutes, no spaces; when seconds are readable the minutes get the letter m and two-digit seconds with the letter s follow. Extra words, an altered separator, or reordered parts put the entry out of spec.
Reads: 12h33
